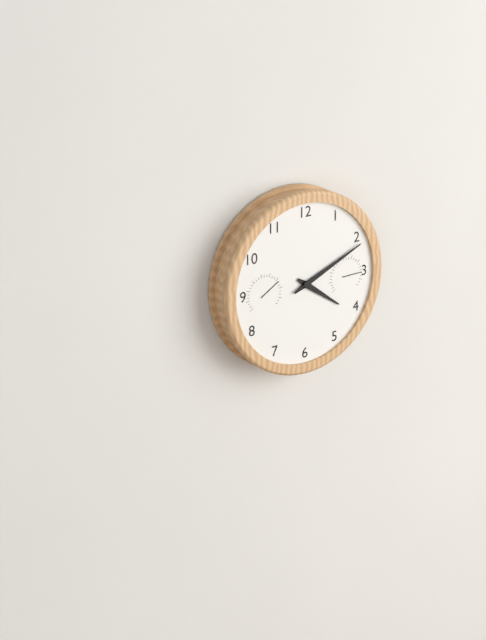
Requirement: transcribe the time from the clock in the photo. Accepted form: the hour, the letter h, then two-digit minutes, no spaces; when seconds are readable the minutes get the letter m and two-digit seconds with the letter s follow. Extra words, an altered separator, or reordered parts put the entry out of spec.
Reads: 4h11
